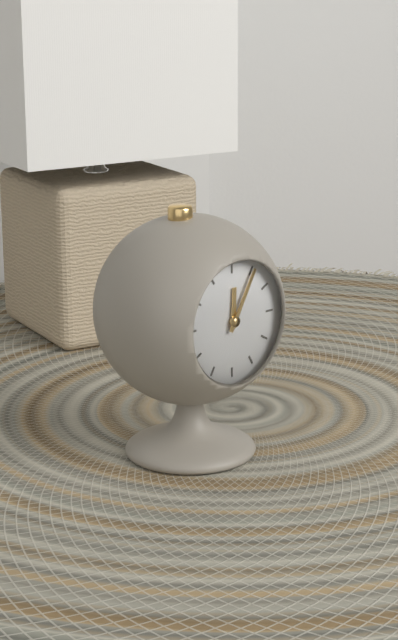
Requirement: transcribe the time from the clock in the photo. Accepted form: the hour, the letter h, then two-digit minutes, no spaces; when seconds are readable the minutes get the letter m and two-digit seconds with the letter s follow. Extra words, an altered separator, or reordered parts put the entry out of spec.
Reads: 12h05
